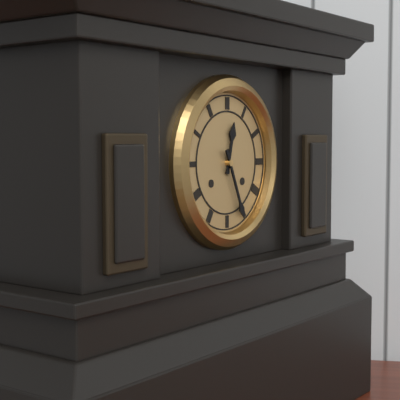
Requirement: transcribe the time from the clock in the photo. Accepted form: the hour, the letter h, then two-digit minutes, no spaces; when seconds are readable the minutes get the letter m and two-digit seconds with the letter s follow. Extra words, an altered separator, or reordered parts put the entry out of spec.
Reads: 12h26
